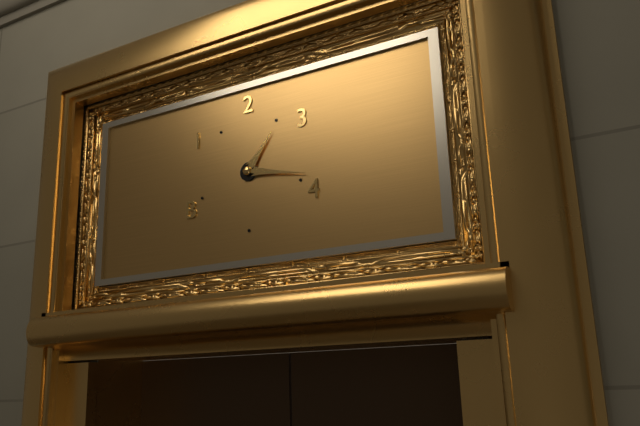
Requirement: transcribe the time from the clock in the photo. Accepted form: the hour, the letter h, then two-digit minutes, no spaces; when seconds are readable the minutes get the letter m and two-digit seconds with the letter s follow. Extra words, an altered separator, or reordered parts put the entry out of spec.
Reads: 1h17
